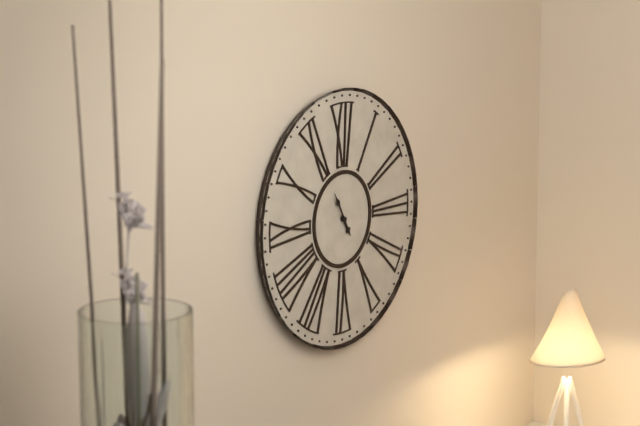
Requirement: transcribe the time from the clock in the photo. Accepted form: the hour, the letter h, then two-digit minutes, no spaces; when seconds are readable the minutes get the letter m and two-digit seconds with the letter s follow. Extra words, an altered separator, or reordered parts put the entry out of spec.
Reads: 4h55
